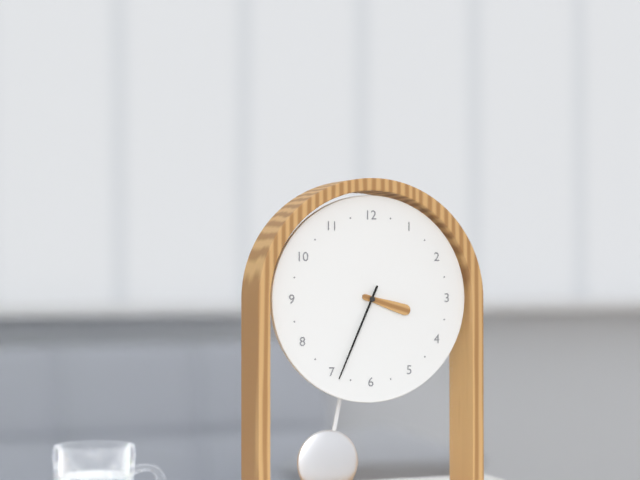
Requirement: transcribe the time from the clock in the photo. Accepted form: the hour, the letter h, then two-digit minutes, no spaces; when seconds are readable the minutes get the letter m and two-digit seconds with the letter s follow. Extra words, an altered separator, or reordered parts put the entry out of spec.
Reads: 3h34
